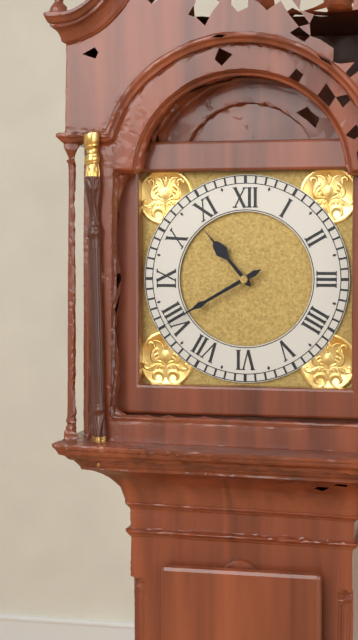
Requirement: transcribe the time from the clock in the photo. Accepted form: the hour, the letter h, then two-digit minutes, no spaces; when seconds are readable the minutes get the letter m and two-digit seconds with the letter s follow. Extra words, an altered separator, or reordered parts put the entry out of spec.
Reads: 10h40
